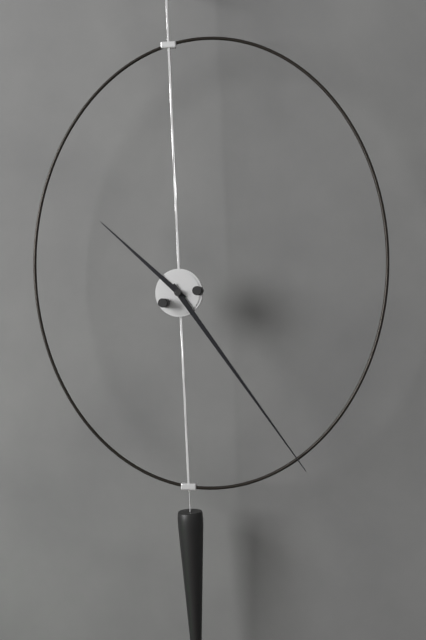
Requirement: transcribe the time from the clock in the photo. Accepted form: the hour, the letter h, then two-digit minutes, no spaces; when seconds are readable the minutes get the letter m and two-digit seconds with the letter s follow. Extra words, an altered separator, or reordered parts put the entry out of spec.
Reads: 10h24
